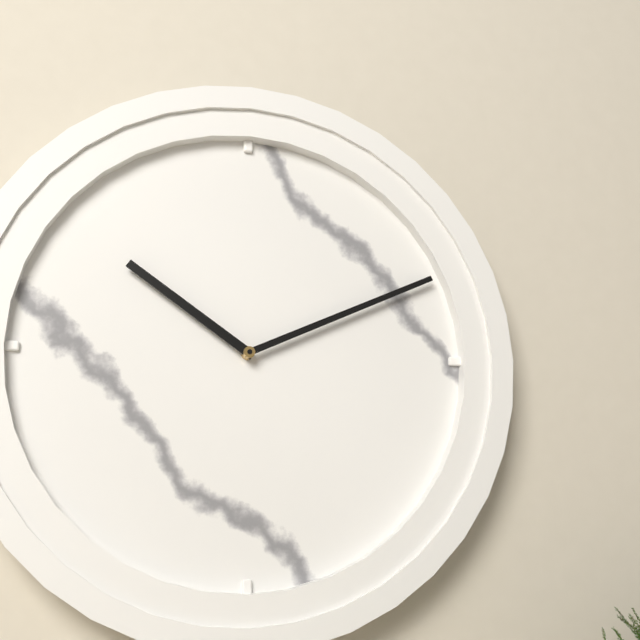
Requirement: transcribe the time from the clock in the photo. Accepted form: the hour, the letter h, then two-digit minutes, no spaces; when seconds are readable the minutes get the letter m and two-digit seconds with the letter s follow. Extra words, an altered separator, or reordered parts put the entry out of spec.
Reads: 10h11
